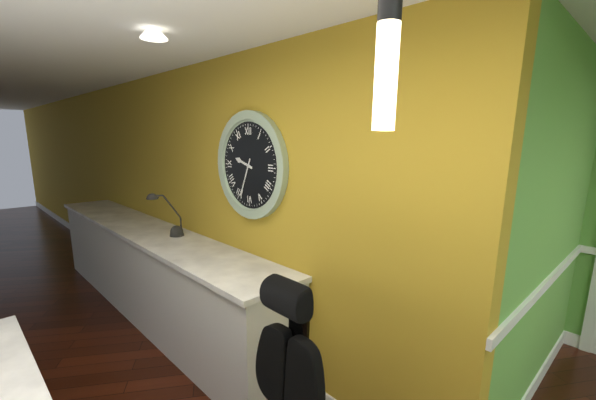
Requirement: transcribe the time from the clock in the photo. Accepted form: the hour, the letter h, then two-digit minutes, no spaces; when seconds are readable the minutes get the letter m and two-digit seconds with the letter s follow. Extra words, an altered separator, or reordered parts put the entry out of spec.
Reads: 9h34
